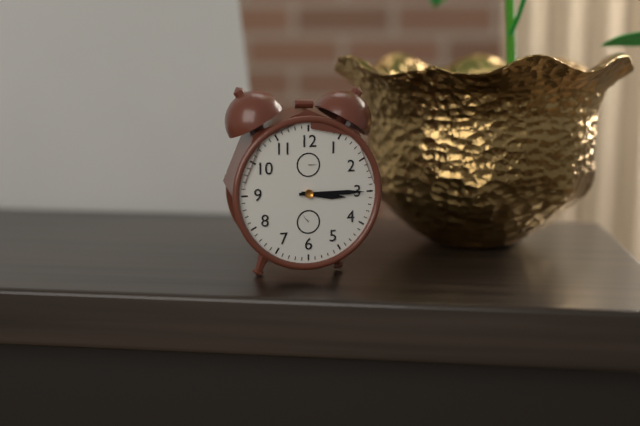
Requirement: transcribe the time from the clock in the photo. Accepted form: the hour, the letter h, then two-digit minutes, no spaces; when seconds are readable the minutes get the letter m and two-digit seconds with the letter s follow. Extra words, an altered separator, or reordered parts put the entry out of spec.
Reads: 3h15
